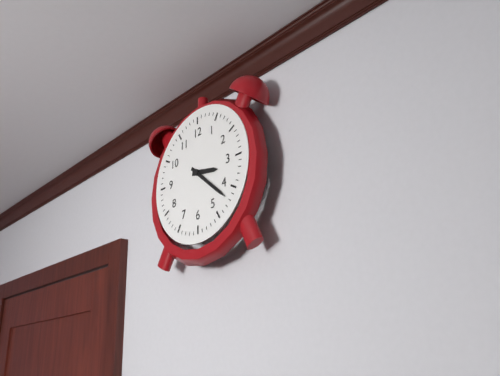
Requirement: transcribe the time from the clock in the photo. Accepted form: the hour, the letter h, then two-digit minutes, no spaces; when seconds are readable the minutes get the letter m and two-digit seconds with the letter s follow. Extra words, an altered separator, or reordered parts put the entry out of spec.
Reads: 3h22
